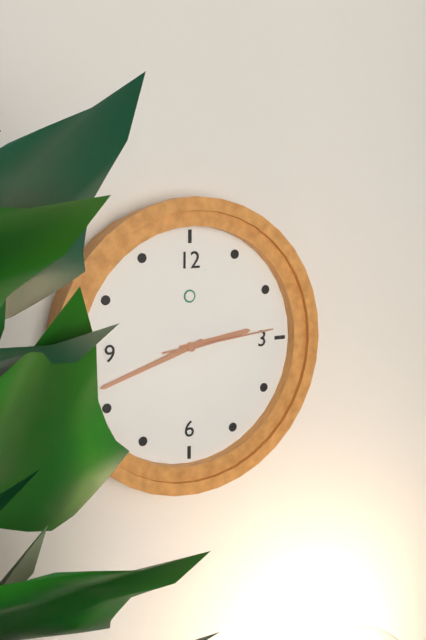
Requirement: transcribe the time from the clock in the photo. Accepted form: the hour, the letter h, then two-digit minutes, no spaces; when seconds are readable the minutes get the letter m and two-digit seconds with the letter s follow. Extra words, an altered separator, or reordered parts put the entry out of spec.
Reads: 2h42m14s
